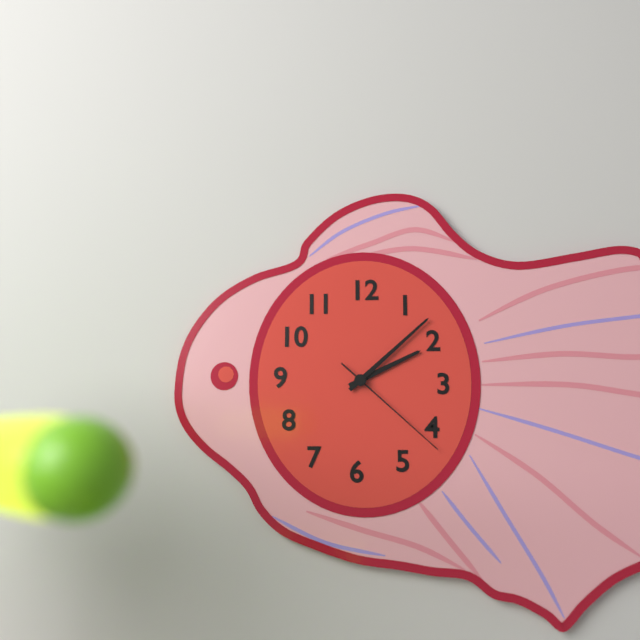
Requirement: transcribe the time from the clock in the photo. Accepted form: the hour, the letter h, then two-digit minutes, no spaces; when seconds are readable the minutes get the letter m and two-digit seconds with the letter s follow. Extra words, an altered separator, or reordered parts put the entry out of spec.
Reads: 2h08m22s
